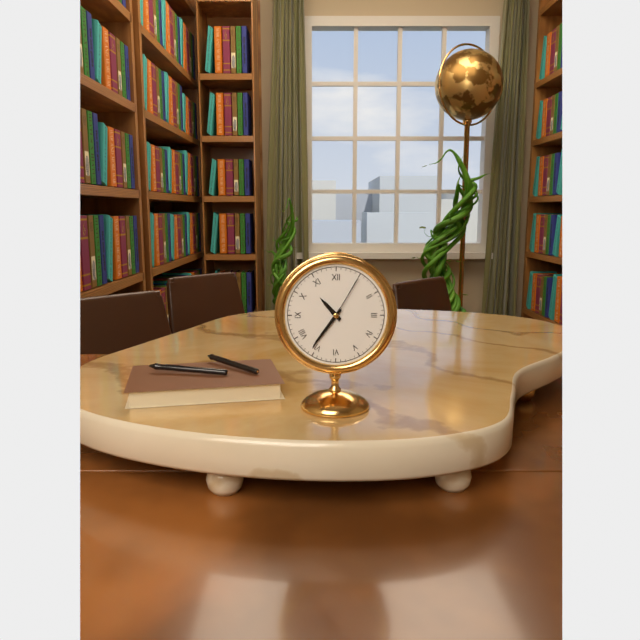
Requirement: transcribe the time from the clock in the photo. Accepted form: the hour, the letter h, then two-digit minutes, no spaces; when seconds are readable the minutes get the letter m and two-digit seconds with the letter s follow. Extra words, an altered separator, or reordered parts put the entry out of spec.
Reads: 10h36m05s
